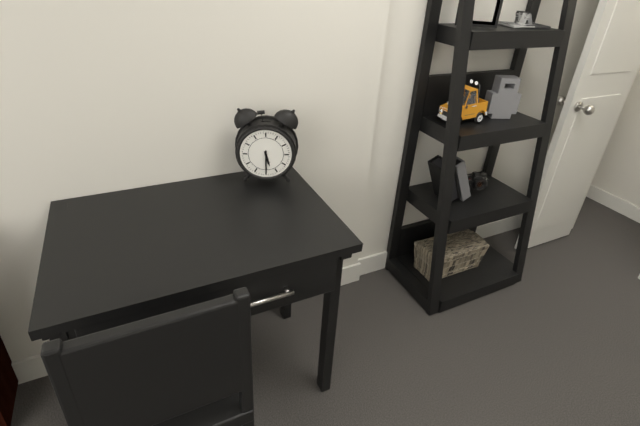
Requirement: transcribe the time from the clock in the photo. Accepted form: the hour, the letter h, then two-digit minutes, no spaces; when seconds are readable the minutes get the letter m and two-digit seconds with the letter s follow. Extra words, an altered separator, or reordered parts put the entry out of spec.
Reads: 5h30
